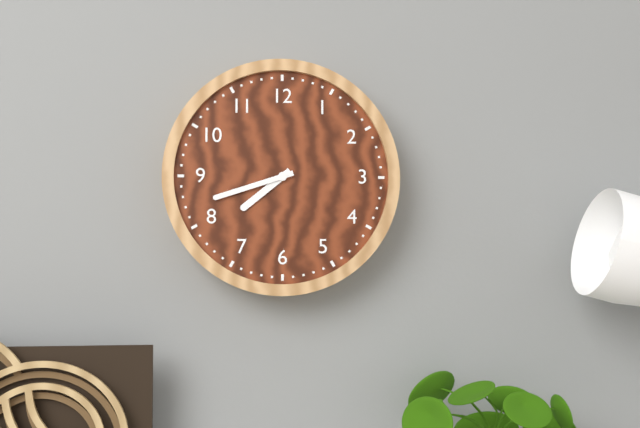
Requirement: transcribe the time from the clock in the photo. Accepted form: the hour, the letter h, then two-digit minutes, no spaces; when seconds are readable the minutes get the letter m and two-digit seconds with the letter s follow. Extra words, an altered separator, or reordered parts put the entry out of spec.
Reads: 7h42
